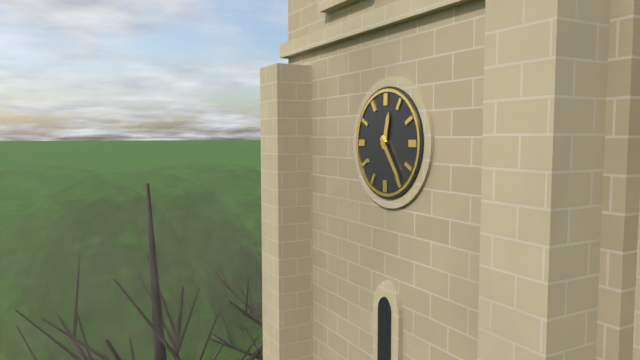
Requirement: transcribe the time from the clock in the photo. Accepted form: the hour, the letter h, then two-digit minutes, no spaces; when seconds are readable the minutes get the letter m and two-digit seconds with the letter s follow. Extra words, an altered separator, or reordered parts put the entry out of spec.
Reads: 12h24
